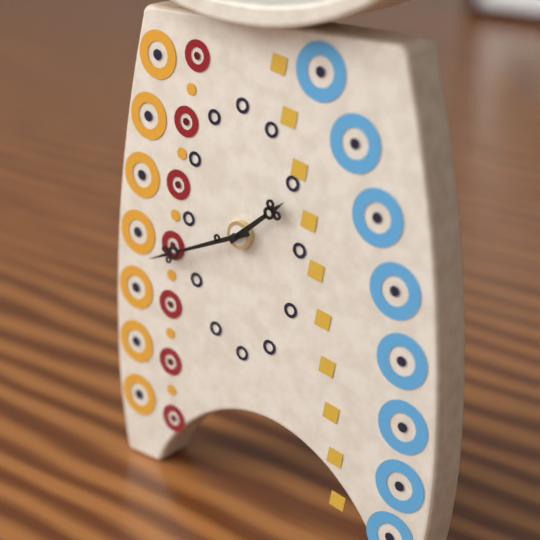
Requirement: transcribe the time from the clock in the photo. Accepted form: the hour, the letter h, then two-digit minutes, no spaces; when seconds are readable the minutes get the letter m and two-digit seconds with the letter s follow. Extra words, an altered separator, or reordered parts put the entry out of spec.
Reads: 1h41
